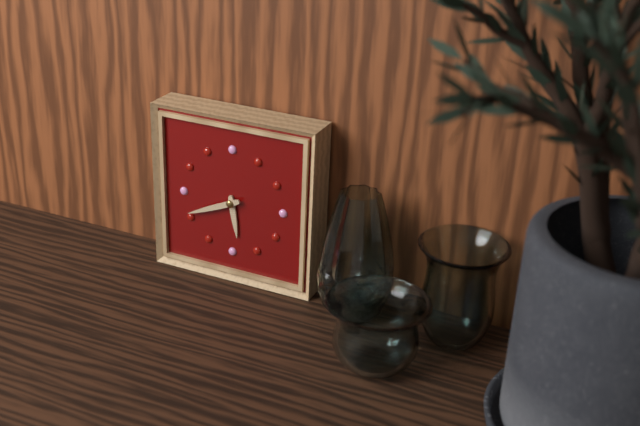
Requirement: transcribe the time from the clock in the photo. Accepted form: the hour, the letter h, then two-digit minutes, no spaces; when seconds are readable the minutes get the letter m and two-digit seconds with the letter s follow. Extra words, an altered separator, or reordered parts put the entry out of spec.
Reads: 5h41
